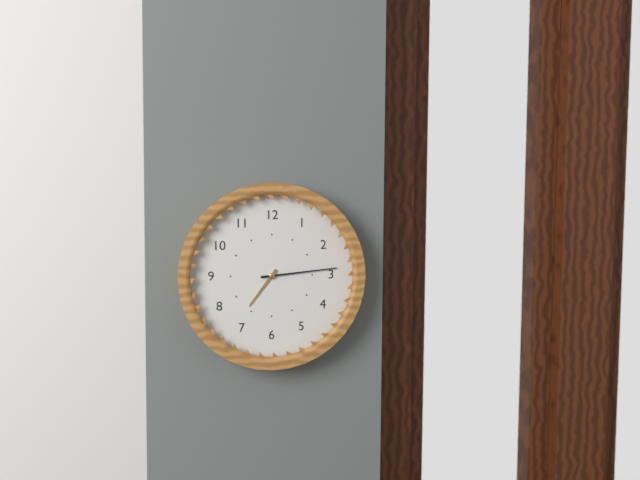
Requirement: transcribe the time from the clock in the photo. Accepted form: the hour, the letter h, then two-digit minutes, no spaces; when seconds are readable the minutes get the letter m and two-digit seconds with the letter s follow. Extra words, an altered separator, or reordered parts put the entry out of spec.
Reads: 7h14
